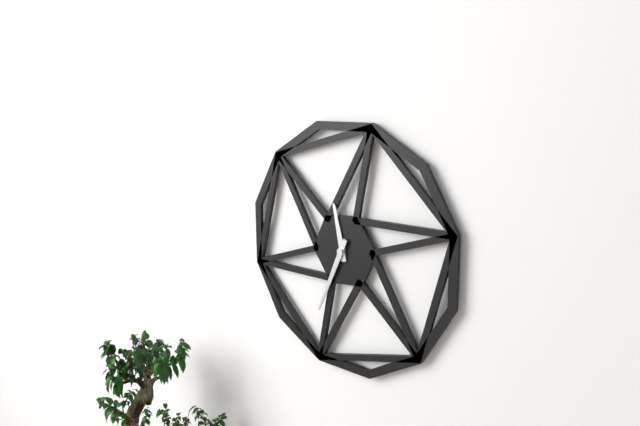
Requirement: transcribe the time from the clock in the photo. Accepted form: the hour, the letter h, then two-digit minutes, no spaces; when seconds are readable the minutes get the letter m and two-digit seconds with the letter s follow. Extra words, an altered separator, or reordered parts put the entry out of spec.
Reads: 11h34
